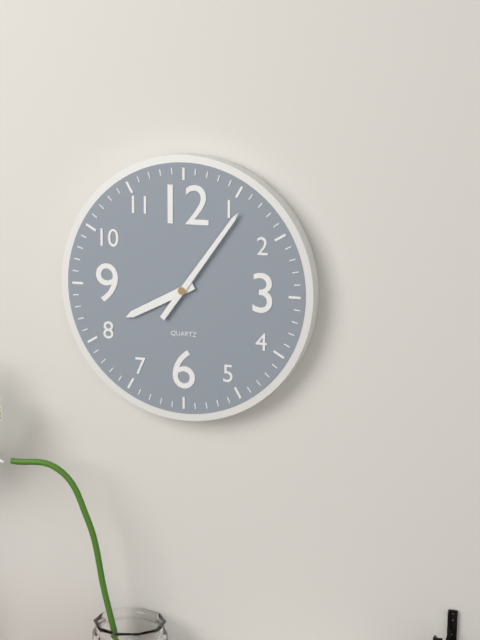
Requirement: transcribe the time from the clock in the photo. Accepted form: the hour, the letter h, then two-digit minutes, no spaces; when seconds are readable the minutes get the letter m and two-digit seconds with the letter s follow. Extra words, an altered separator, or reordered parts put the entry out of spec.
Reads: 8h06
